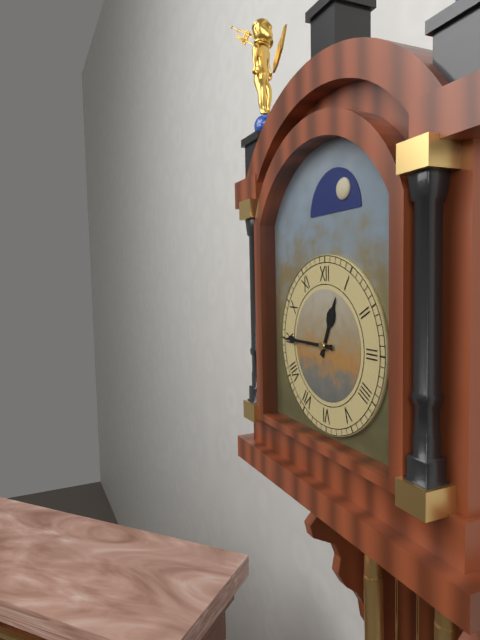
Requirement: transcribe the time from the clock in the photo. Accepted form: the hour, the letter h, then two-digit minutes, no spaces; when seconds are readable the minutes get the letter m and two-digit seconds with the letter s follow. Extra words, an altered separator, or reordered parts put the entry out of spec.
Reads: 12h45
